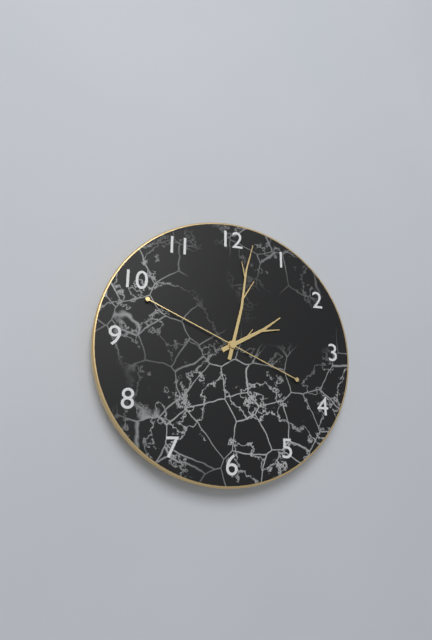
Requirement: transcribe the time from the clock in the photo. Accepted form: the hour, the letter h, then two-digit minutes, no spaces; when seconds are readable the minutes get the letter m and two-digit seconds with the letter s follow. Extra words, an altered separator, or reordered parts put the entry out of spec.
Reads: 2h02m49s
